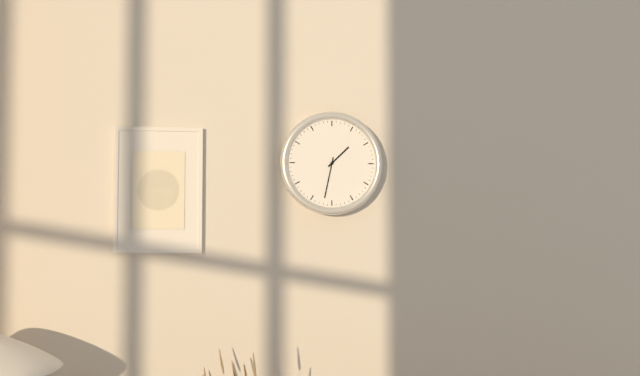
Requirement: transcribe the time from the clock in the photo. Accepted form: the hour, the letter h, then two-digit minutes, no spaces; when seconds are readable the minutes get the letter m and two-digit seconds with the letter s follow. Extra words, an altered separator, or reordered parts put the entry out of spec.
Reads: 1h32
